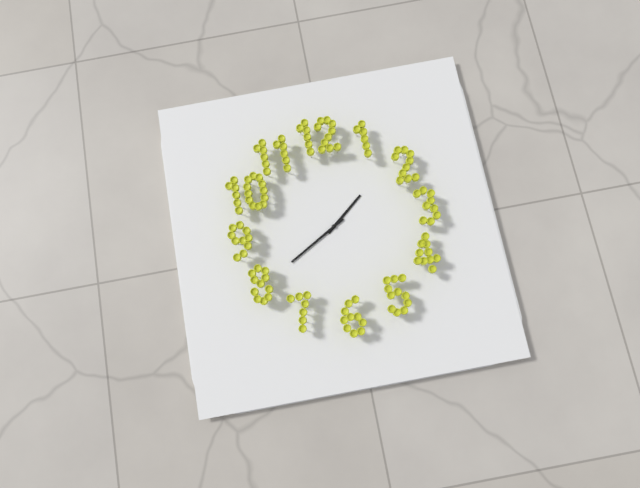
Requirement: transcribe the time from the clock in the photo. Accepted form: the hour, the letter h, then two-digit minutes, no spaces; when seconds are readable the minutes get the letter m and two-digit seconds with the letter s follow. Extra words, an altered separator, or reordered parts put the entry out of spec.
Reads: 1h40
